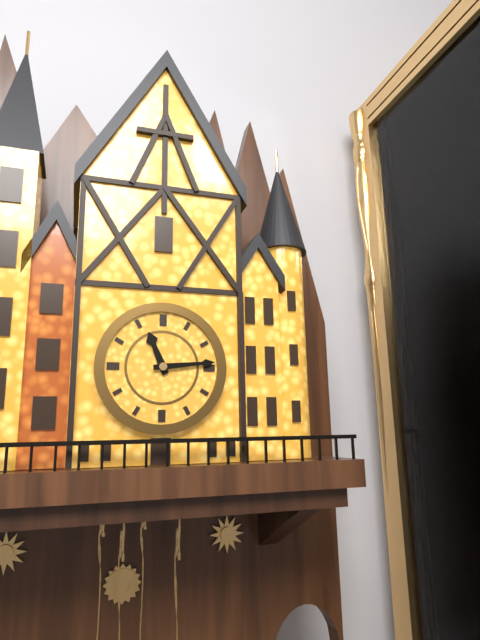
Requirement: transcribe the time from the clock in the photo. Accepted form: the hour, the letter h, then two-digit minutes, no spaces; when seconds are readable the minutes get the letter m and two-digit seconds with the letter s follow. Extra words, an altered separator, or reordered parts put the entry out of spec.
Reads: 11h14
